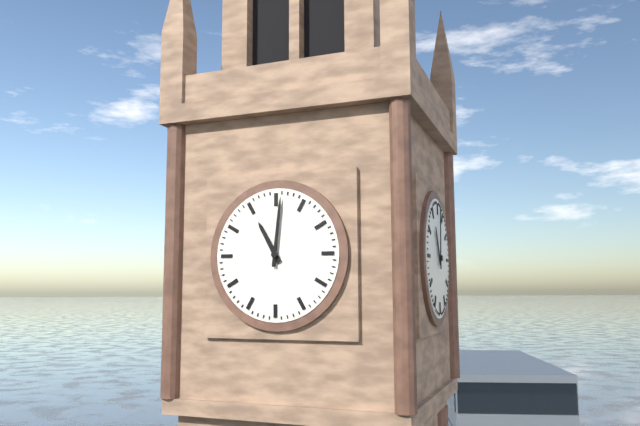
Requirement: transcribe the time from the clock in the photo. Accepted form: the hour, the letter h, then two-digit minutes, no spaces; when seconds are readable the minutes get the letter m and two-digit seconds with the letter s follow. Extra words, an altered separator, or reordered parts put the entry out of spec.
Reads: 11h01
